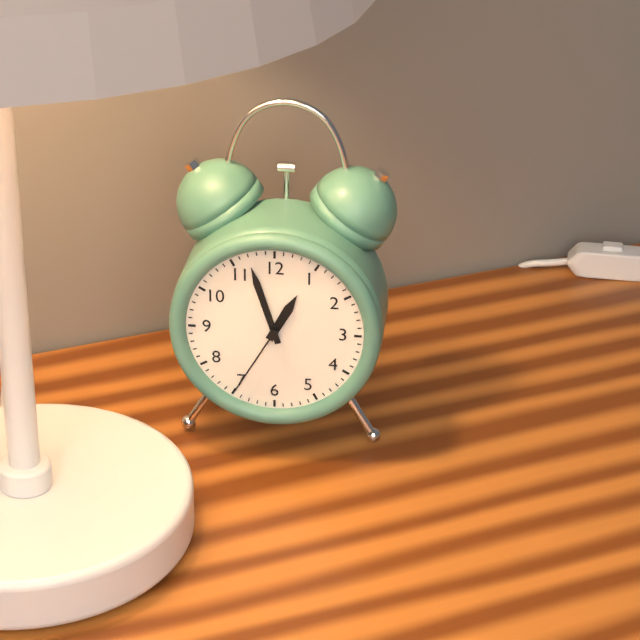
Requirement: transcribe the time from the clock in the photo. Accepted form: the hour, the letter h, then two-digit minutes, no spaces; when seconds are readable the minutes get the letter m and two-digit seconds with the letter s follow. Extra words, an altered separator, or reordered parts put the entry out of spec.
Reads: 12h57m35s
